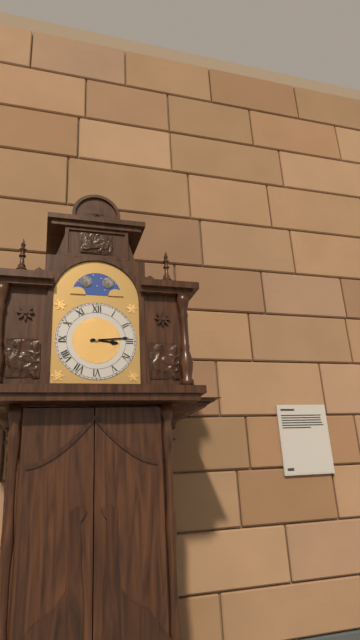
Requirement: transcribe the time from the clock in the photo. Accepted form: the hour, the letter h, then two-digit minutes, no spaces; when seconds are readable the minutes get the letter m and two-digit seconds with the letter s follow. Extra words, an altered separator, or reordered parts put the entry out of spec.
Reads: 3h14
